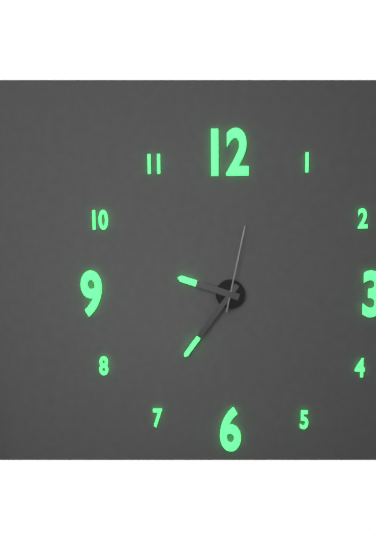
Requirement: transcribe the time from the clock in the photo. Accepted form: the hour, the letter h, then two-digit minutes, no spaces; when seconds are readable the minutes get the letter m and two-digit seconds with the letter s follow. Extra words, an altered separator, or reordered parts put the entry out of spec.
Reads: 9h36m02s
